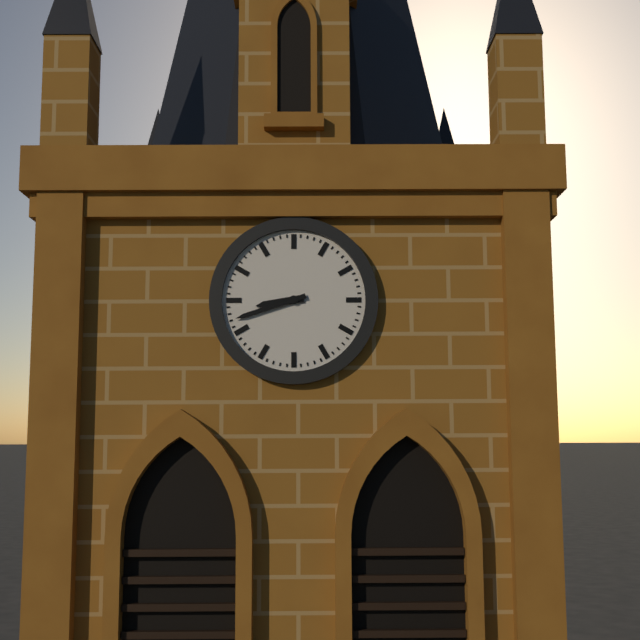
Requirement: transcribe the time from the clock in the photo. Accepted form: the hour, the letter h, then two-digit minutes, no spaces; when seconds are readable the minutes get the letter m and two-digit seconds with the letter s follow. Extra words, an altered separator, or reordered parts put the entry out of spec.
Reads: 8h42
